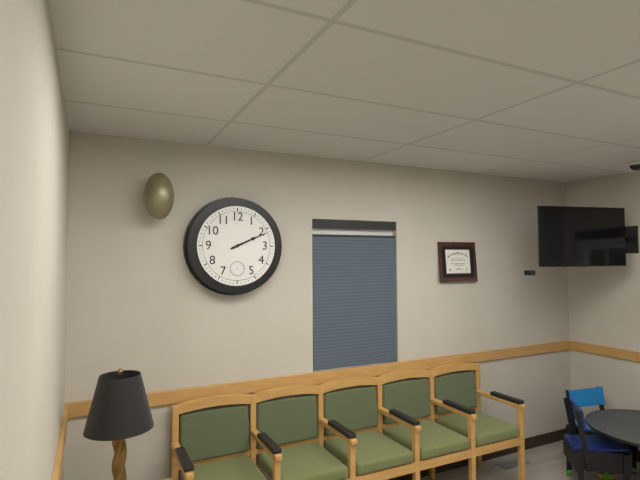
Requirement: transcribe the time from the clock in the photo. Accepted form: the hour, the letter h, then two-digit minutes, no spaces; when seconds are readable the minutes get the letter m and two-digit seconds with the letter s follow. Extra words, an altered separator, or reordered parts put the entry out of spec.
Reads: 2h11
